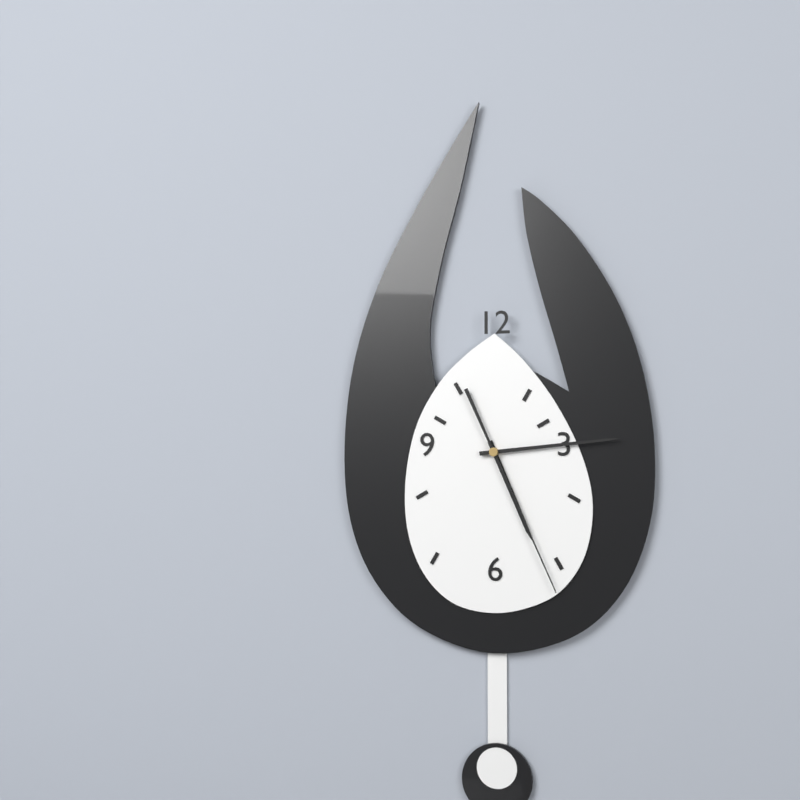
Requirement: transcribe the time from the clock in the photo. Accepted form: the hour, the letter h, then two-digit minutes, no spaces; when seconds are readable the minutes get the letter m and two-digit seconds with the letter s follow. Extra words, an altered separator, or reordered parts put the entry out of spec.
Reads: 5h14m26s
